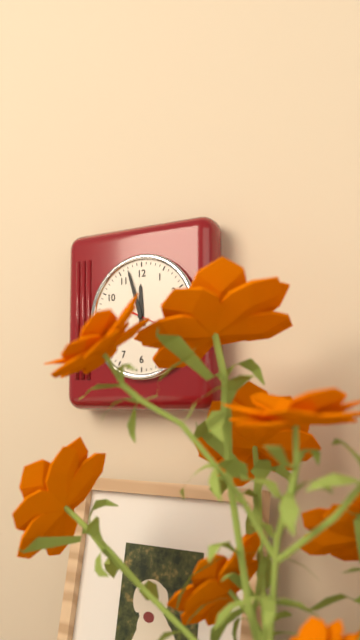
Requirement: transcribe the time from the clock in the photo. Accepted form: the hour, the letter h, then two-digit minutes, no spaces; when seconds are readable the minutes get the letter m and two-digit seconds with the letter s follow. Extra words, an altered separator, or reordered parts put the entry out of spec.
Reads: 11h57
